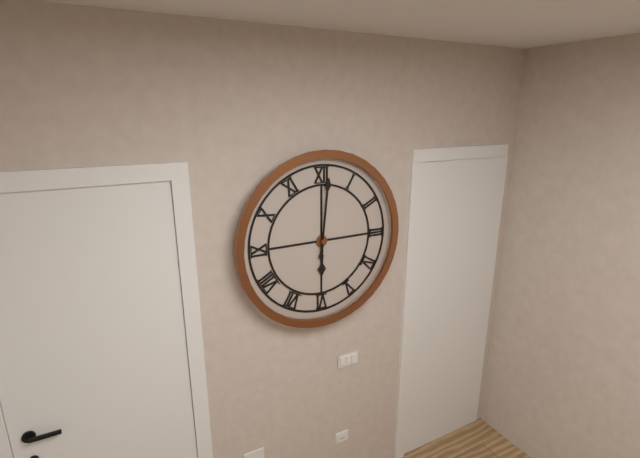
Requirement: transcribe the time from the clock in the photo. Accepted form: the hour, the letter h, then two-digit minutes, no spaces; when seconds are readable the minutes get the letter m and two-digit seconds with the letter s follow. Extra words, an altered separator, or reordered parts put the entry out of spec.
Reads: 6h01
